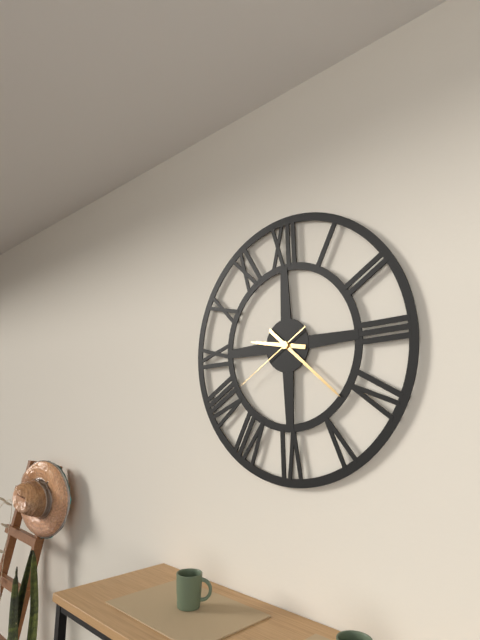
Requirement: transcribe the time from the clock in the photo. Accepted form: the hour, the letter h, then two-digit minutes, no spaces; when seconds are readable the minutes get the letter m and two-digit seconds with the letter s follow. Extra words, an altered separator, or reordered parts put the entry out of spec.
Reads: 9h22m40s
